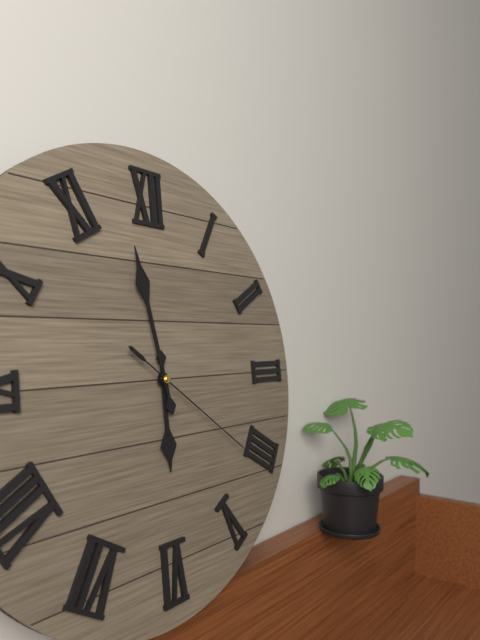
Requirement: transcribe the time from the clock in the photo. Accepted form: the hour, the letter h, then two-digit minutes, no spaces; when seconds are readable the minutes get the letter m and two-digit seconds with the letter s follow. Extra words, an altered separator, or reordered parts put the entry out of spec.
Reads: 5h58m21s
